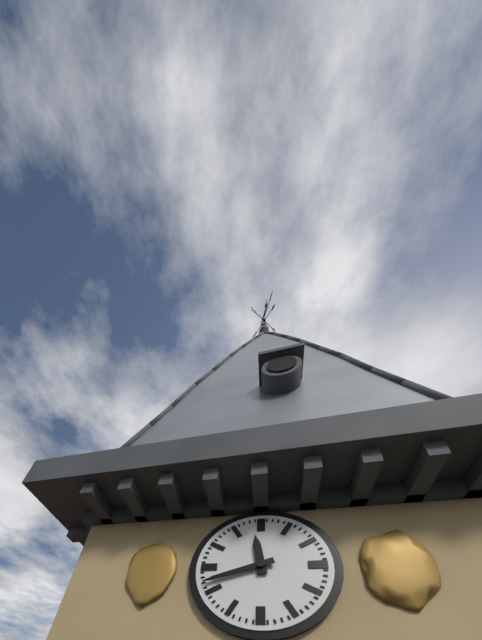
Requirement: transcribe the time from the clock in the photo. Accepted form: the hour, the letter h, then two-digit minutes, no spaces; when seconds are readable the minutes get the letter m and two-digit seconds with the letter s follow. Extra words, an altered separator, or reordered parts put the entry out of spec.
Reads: 11h42
